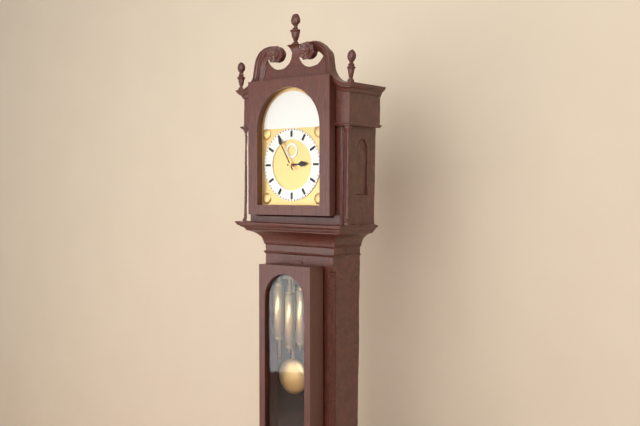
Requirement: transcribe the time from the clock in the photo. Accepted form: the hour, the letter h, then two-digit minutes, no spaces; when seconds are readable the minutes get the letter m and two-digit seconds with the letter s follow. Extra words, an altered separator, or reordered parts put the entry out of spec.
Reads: 2h55
